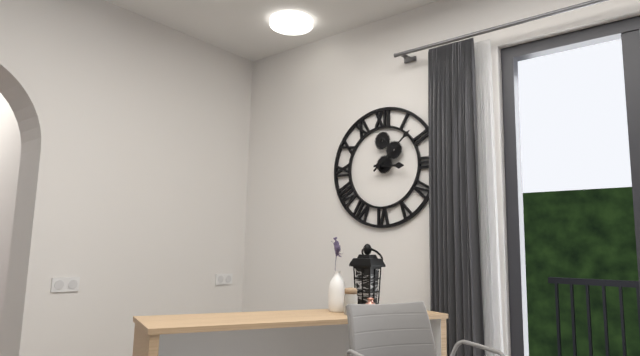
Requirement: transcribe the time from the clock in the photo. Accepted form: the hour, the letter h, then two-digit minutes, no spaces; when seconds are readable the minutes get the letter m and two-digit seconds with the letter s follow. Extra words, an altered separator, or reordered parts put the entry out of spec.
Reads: 3h08
